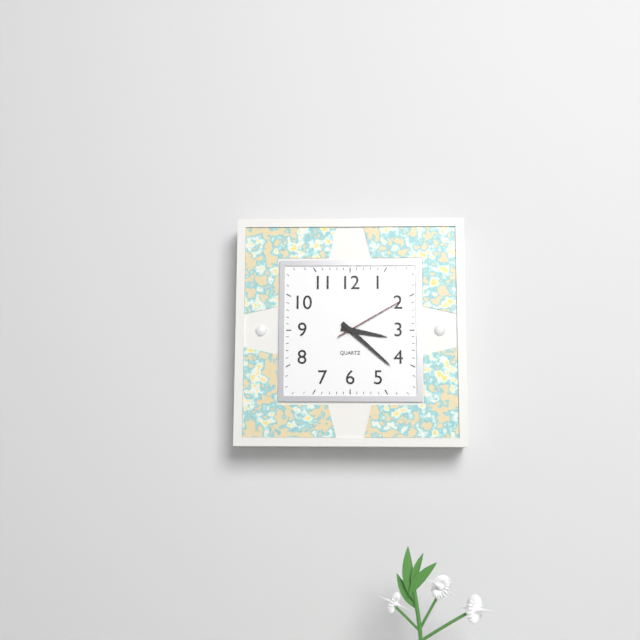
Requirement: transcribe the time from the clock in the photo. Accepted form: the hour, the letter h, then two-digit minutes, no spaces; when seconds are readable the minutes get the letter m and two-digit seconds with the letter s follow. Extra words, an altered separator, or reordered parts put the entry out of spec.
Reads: 3h22m10s
